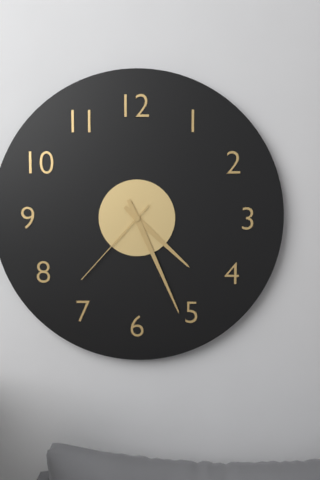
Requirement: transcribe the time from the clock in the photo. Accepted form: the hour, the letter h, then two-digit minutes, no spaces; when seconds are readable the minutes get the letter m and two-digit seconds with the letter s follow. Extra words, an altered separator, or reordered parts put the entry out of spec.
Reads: 4h26m37s
